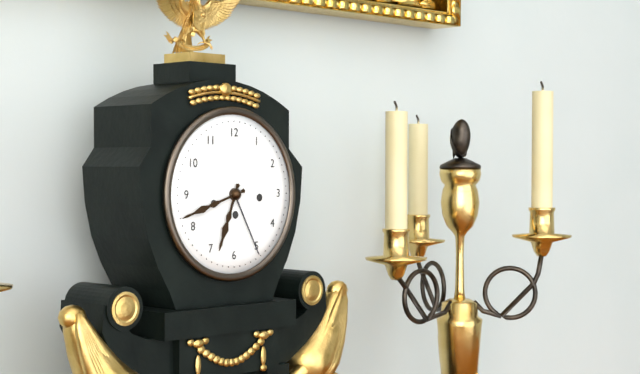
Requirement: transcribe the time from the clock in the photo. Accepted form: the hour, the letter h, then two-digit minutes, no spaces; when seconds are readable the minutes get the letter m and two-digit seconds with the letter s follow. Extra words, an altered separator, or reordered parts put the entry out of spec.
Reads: 6h42
